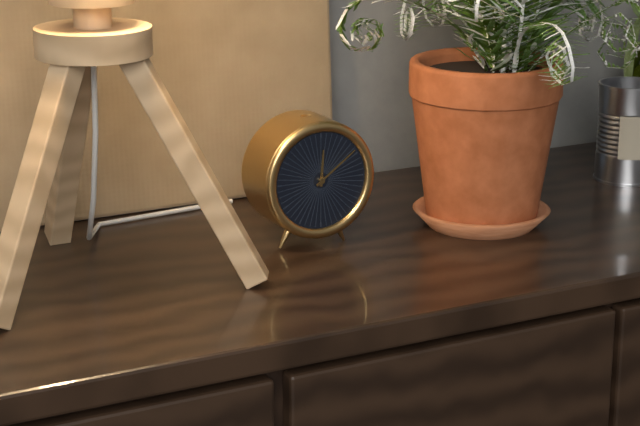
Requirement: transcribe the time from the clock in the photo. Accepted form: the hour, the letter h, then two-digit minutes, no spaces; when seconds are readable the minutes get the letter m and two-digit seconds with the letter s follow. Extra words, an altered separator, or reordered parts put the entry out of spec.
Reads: 12h09
